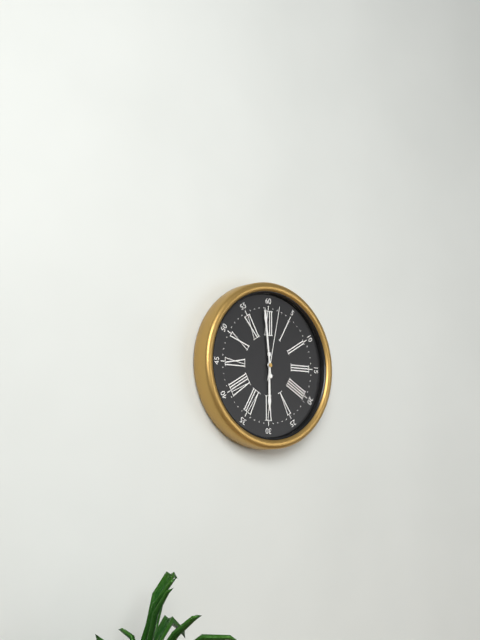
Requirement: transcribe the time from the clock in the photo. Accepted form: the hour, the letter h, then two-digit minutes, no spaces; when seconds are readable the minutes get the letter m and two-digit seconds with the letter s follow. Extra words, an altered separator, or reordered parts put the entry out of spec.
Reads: 5h59m02s
